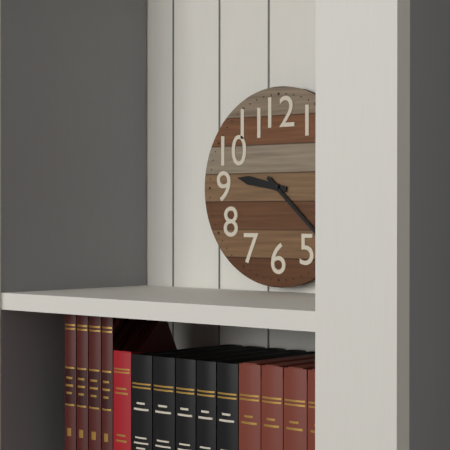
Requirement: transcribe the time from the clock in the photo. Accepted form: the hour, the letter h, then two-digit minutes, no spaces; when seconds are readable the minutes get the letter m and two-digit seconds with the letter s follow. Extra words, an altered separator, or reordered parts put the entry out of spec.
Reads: 9h22
